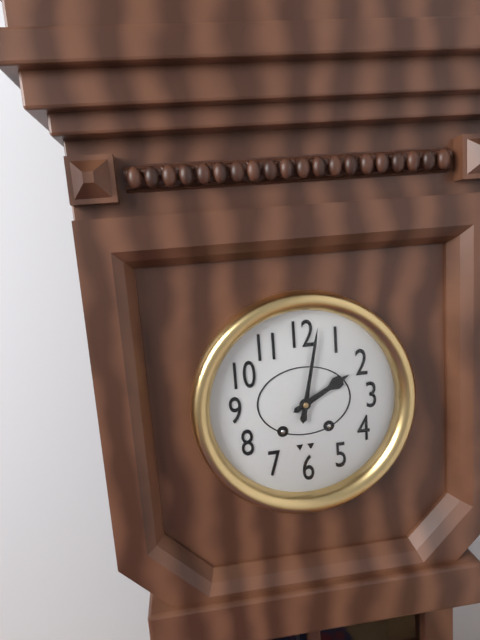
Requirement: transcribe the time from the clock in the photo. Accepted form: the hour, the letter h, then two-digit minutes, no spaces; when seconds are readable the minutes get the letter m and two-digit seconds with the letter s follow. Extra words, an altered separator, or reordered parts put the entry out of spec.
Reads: 2h02
